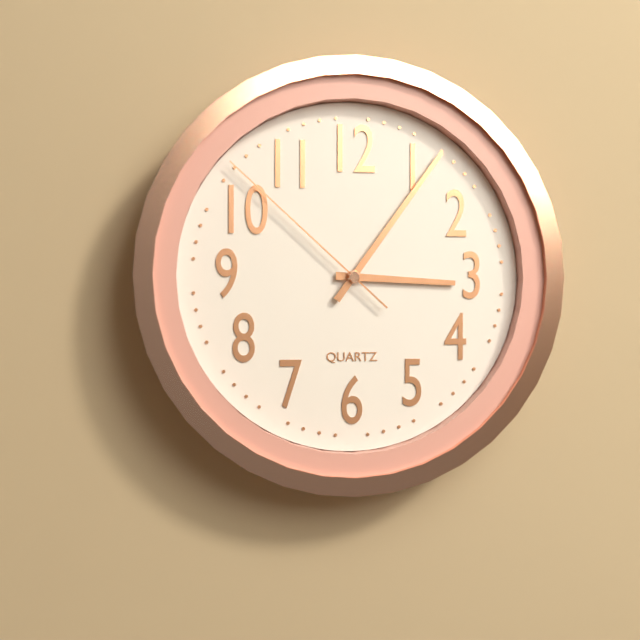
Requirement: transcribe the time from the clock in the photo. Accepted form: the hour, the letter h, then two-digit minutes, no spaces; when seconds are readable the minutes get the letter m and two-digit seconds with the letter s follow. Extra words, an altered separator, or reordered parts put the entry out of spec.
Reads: 3h06m52s
